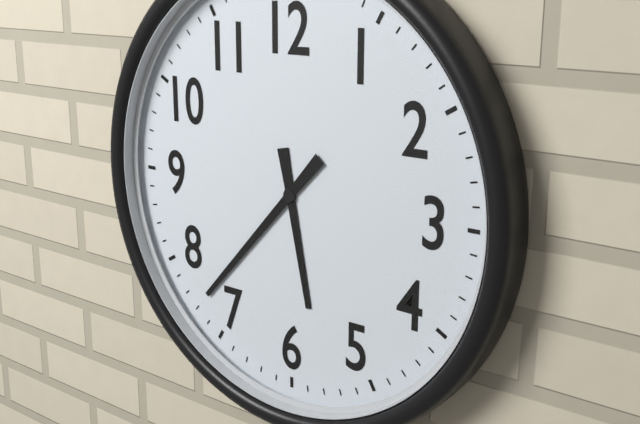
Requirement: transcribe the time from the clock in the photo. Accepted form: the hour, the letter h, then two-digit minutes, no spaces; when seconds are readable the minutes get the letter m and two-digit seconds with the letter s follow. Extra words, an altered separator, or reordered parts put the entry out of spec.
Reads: 5h37
